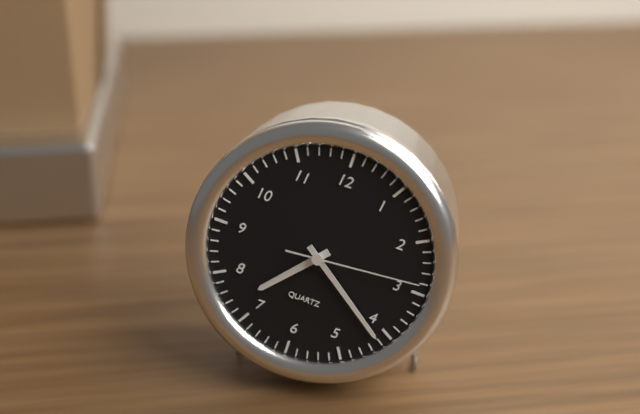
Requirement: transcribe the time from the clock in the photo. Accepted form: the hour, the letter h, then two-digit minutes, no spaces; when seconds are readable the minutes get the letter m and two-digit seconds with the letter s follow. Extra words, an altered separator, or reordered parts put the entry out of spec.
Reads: 7h21m14s
